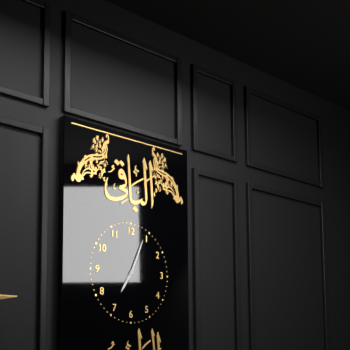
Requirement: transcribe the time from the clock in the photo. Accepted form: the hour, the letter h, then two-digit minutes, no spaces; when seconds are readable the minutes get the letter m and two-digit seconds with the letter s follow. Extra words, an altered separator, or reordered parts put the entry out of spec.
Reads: 7h04
